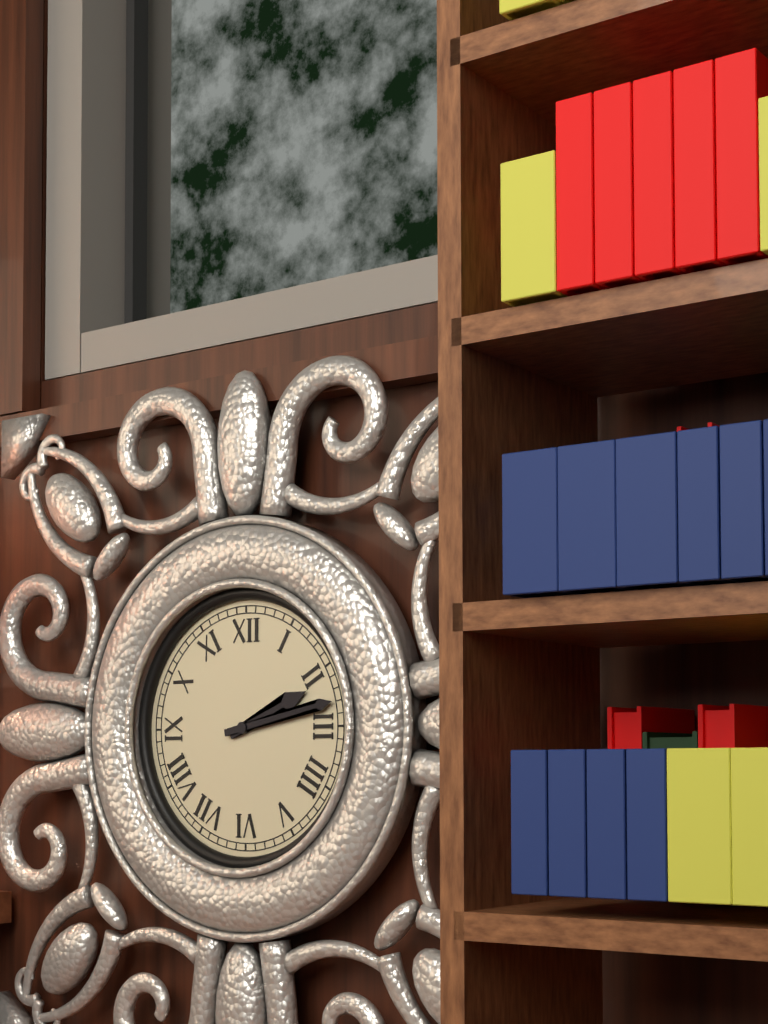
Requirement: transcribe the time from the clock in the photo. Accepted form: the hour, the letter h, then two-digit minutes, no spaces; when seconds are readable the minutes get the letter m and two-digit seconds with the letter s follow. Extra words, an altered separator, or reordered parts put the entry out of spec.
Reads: 2h13
